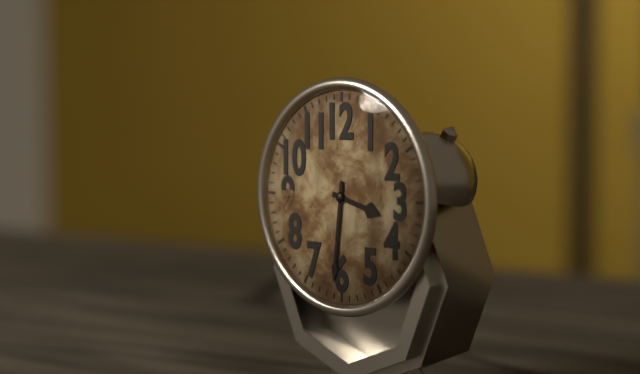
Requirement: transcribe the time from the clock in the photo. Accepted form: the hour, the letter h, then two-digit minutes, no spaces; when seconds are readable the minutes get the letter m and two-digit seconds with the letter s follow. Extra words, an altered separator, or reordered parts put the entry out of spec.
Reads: 3h31
